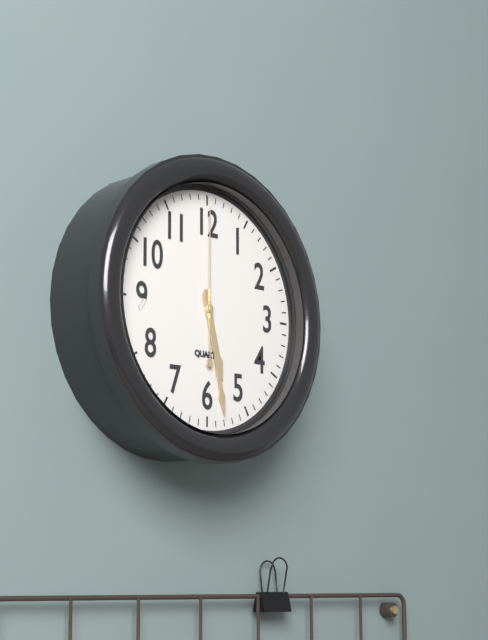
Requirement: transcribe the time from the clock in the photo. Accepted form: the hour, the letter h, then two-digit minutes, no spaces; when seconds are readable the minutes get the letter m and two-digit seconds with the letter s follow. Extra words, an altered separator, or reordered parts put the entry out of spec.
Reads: 5h28m00s
